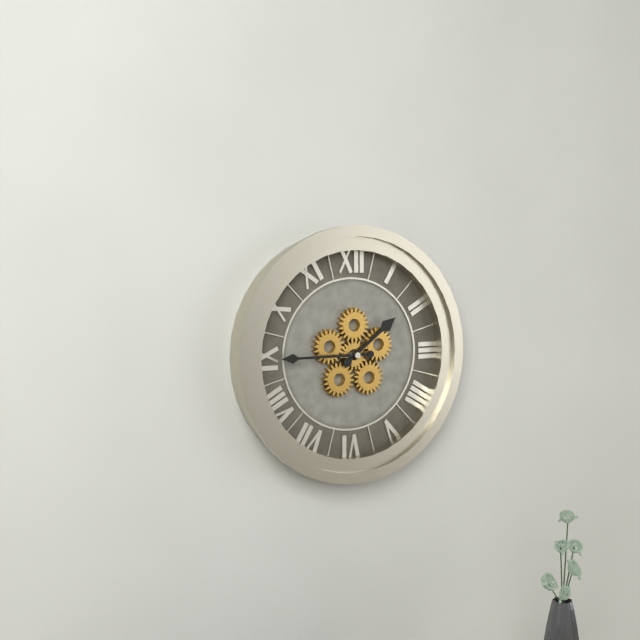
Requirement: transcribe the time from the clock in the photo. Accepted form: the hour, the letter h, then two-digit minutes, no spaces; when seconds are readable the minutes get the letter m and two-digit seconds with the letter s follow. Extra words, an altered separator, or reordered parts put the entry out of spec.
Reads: 1h45
